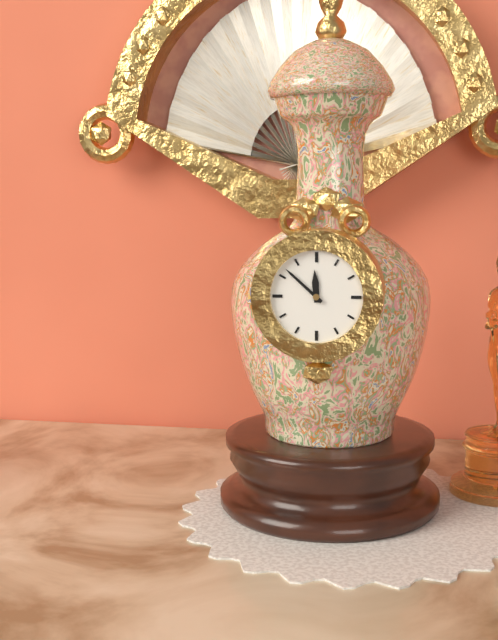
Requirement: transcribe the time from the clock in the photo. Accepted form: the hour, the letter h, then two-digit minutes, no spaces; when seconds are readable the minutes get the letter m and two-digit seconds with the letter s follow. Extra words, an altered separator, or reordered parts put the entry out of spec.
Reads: 11h52
